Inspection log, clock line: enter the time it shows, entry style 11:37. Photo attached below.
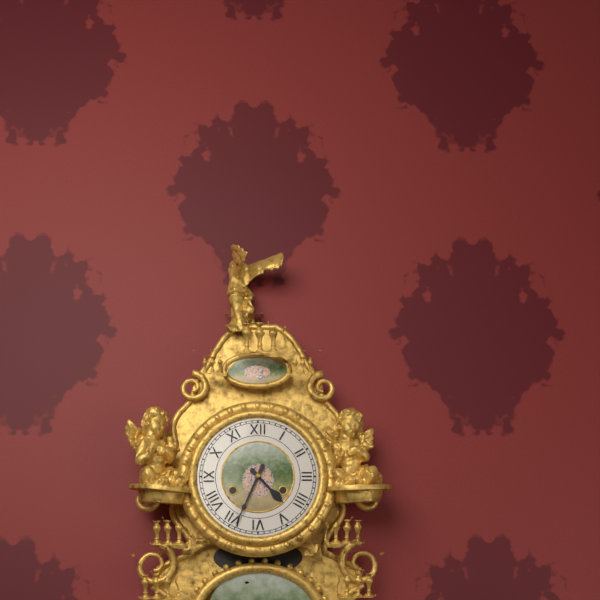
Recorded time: 4:34
